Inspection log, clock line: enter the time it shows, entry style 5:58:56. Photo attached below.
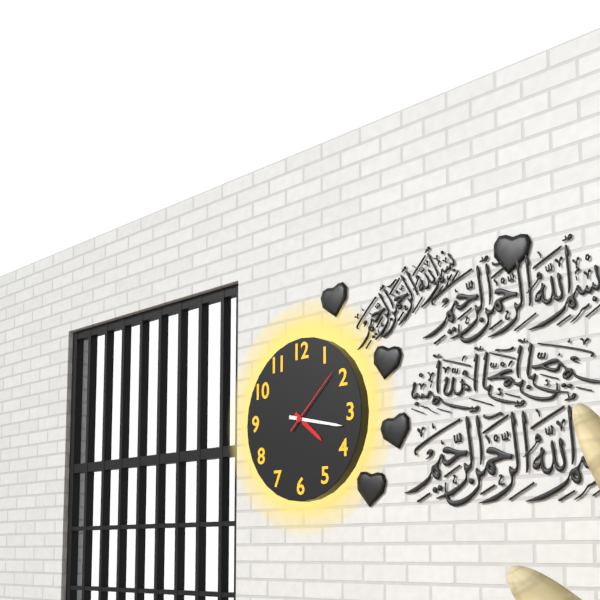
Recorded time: 4:17:08
